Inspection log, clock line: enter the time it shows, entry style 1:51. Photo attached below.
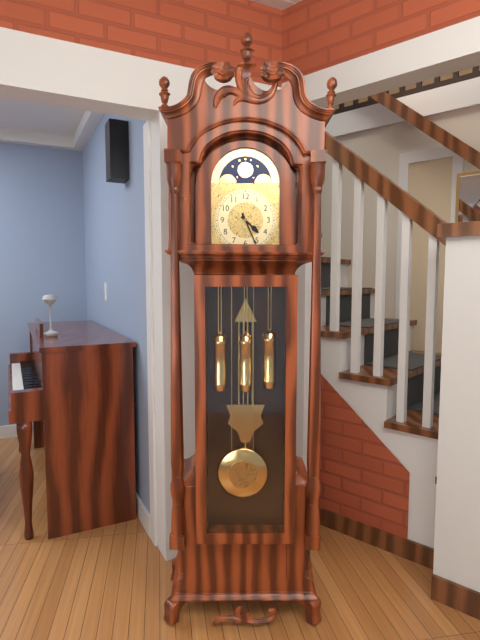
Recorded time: 4:26
